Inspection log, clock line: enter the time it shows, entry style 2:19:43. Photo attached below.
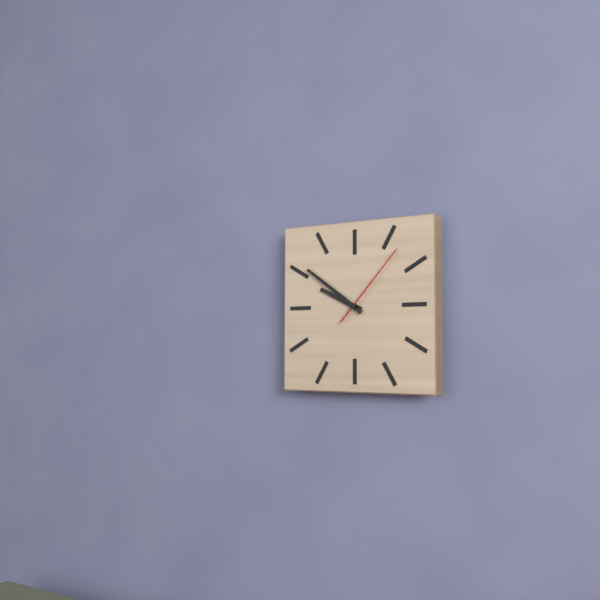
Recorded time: 9:51:07
